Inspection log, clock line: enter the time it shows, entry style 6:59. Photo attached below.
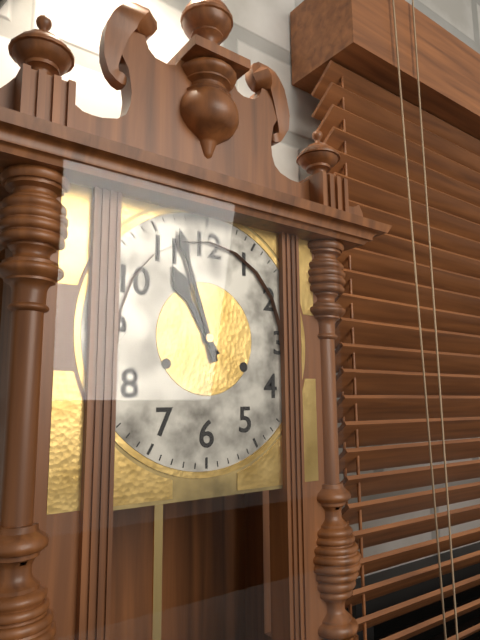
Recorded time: 10:57
